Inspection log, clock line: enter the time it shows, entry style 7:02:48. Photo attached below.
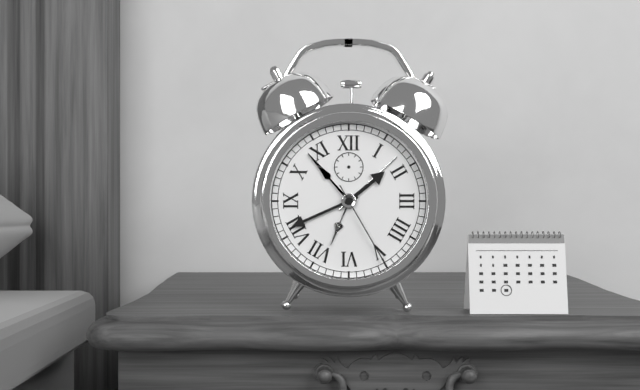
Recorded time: 1:41:25
